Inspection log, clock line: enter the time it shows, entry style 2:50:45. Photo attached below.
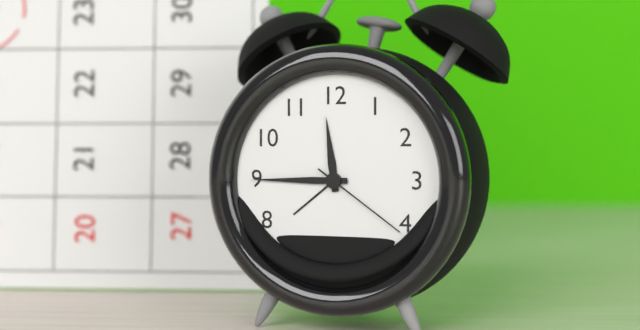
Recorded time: 11:45:21
